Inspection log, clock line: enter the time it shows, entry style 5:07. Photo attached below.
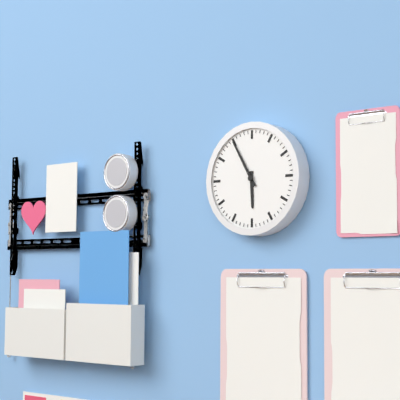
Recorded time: 5:55
